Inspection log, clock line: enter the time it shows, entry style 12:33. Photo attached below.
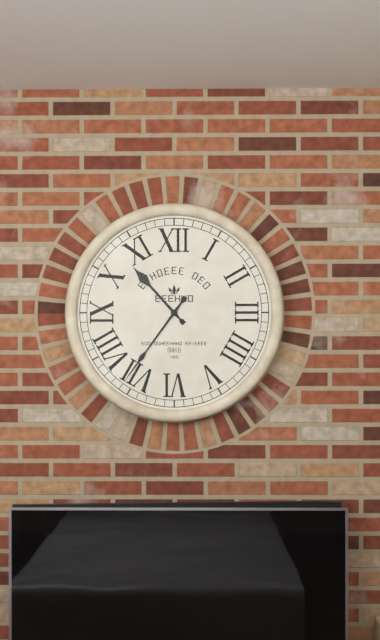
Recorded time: 10:36
